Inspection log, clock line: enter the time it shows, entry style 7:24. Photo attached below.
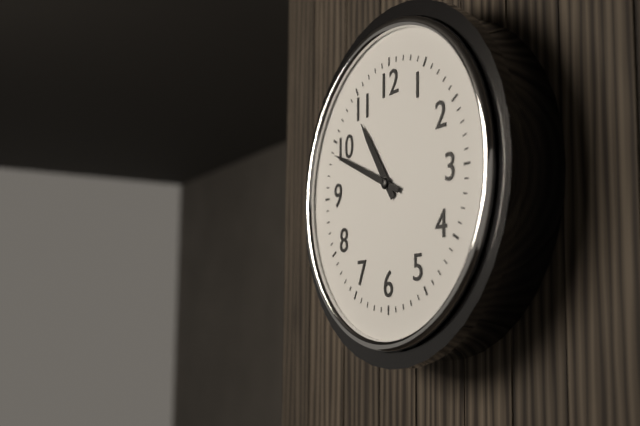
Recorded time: 10:49
